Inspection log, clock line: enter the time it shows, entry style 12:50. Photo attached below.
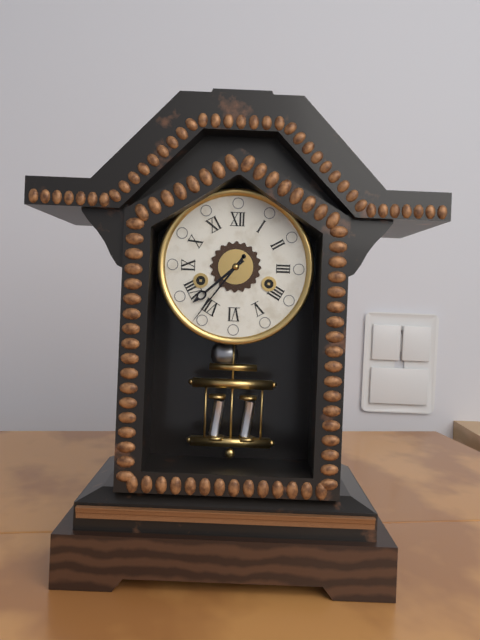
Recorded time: 7:36
